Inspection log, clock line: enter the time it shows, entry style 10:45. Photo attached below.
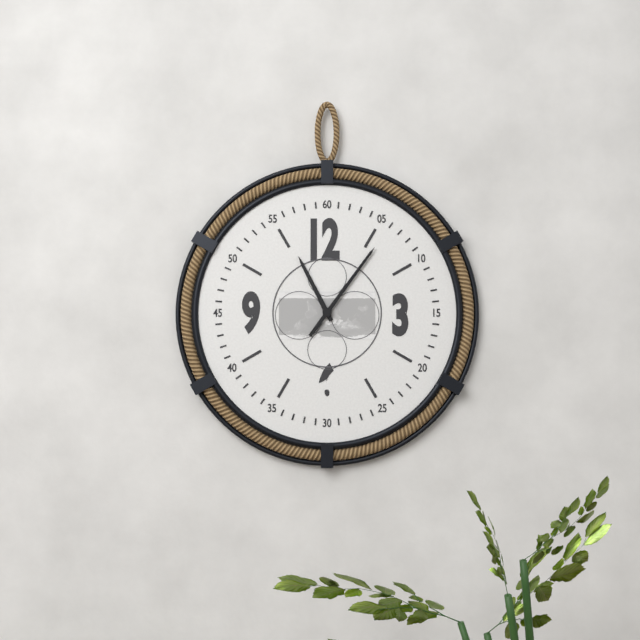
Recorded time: 11:06
